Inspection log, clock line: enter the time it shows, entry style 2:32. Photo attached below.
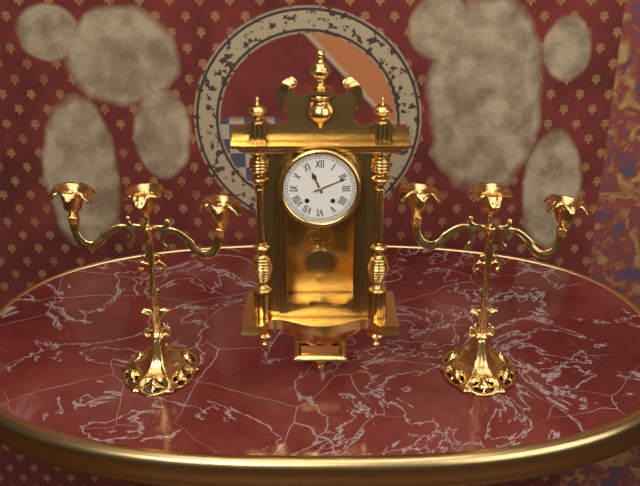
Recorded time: 11:11
